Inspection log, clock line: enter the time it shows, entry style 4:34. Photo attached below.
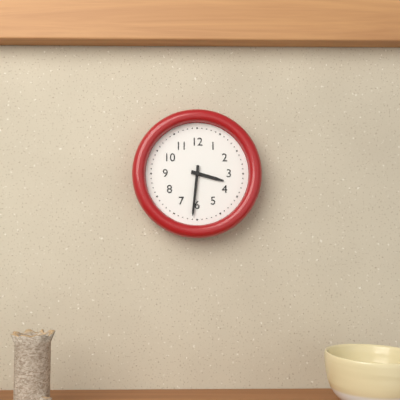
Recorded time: 3:31
